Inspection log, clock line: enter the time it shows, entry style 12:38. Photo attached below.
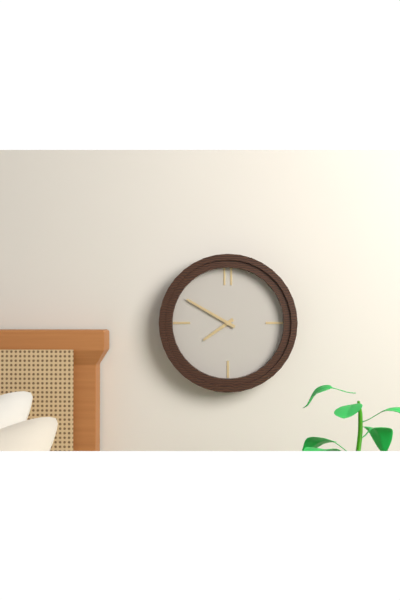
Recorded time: 7:50
